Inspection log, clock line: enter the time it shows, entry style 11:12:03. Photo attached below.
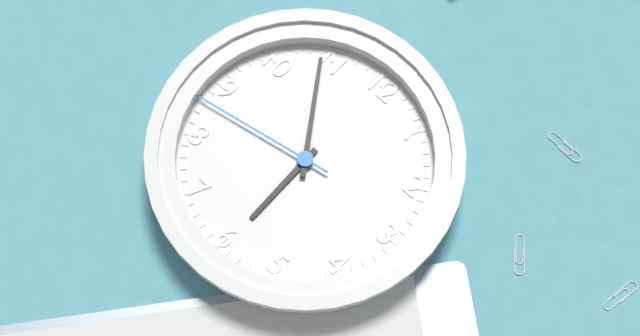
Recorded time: 5:54:43
